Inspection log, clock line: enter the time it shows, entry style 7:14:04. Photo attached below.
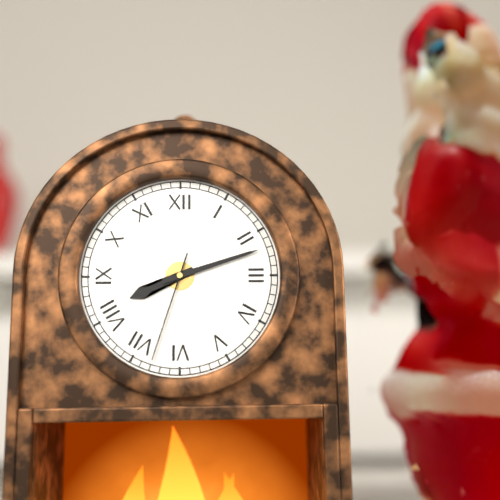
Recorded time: 8:12:33
